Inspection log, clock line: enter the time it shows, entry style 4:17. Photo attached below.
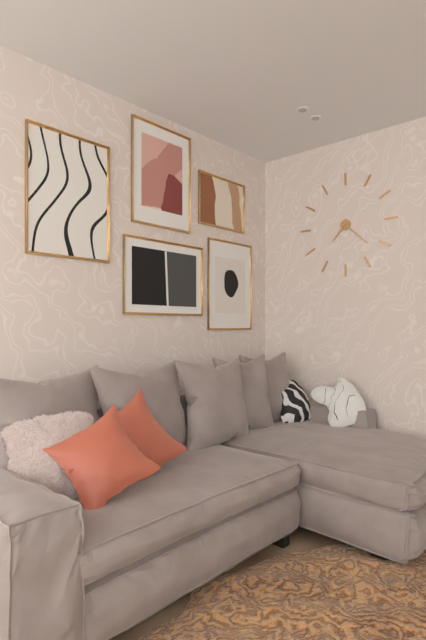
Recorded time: 7:22
